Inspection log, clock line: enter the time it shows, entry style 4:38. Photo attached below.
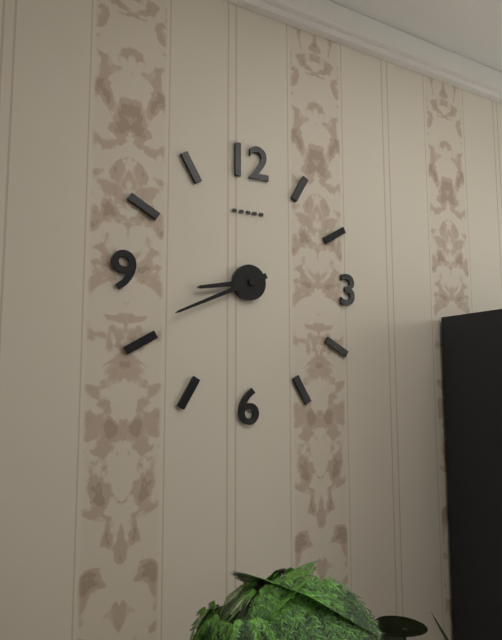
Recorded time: 8:41
